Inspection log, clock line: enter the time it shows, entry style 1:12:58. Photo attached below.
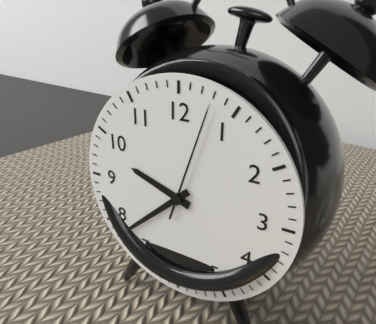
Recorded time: 9:38:03
